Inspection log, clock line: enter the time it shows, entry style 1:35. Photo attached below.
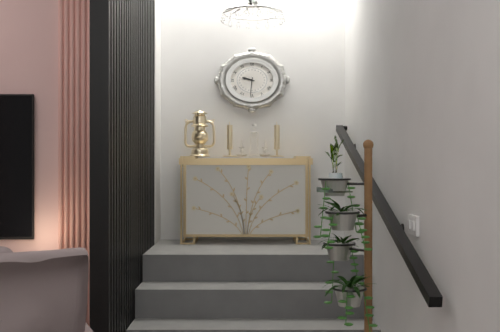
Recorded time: 9:31
